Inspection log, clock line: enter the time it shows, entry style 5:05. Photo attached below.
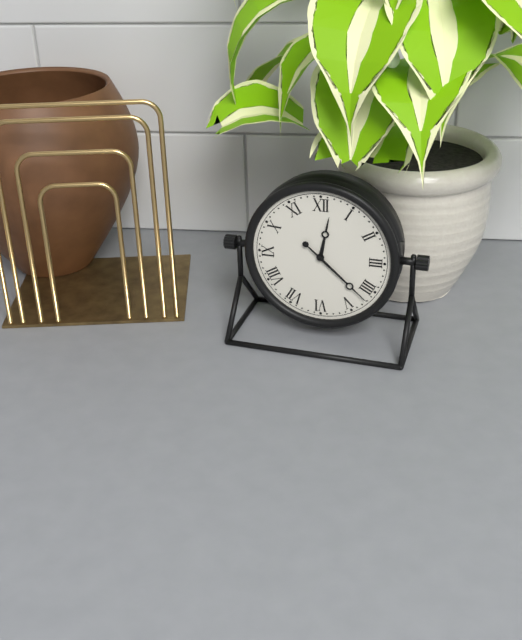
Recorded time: 12:22
